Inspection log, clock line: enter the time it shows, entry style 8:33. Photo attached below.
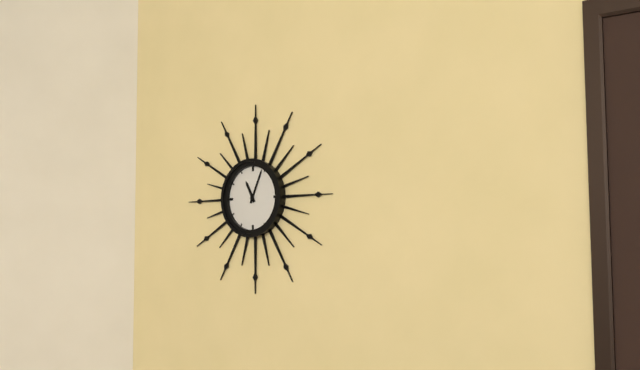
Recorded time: 11:04
